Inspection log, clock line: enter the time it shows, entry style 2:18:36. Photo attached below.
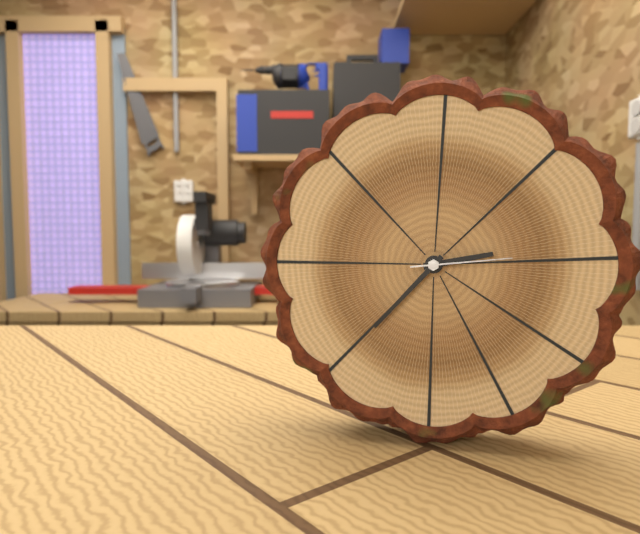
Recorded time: 2:37:14
